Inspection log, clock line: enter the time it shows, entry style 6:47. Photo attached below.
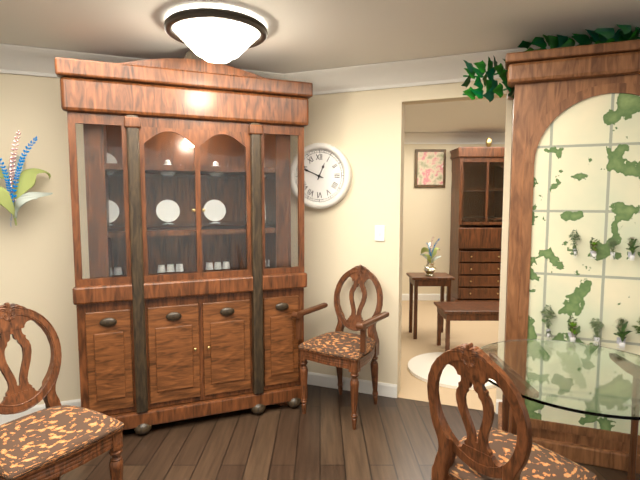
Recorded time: 12:49
